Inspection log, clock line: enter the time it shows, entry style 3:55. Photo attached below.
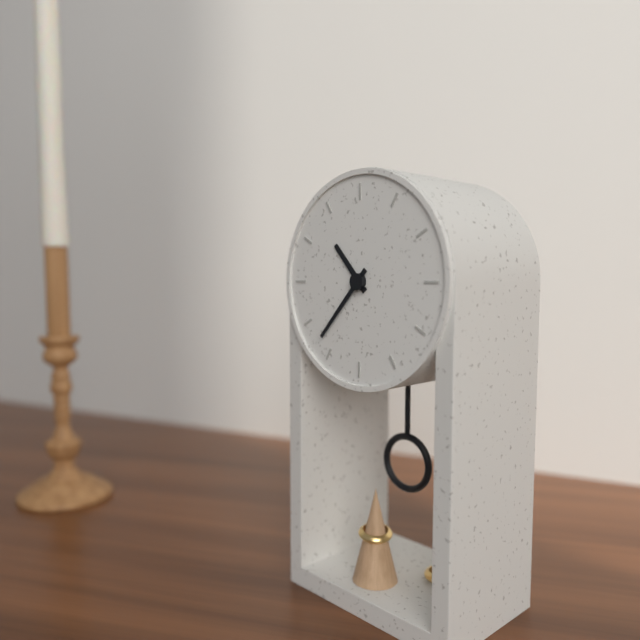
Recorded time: 10:37
